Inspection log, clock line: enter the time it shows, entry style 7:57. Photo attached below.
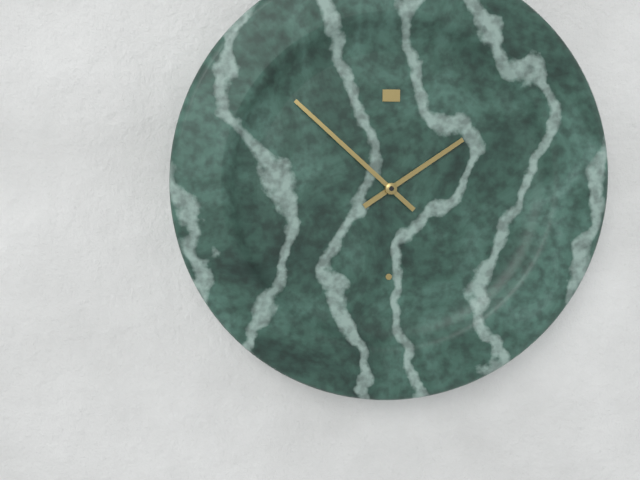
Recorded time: 1:52
